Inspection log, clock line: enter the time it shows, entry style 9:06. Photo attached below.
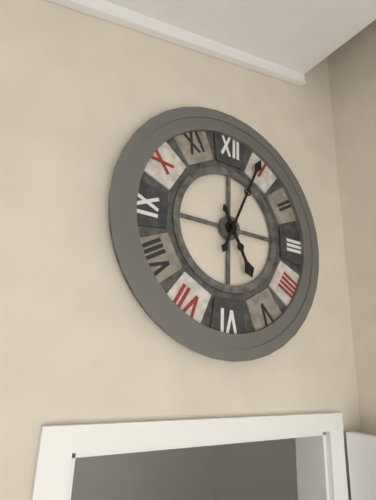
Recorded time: 5:04
